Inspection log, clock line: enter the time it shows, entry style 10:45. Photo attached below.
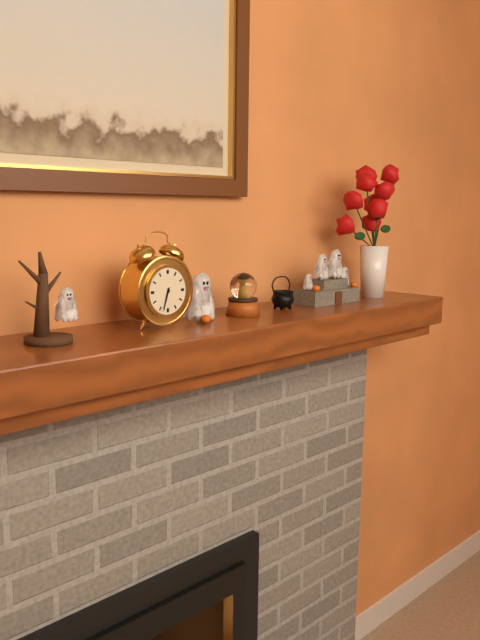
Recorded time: 6:33
